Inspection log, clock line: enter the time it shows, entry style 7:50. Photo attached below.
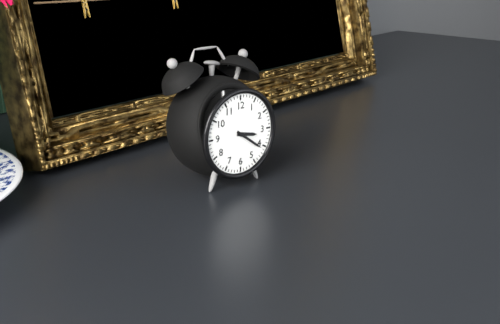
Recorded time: 3:21
